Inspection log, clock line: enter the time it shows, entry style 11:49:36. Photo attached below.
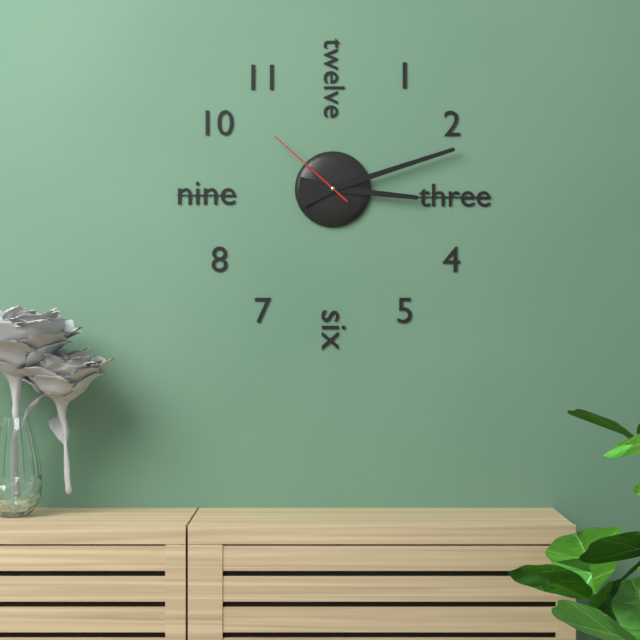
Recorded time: 3:12:52
